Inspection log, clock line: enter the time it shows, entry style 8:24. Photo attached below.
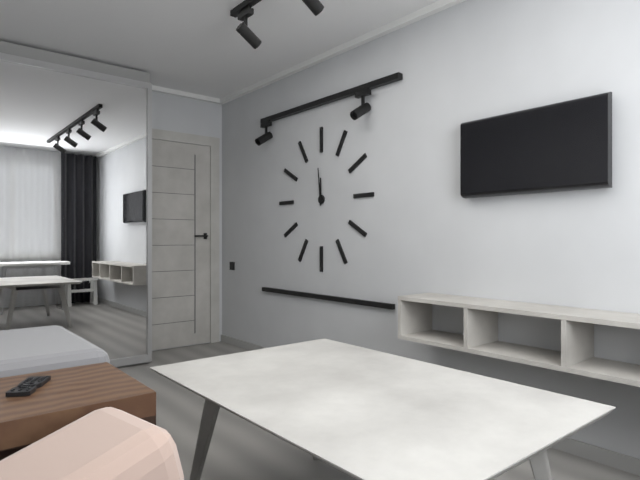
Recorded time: 11:59
